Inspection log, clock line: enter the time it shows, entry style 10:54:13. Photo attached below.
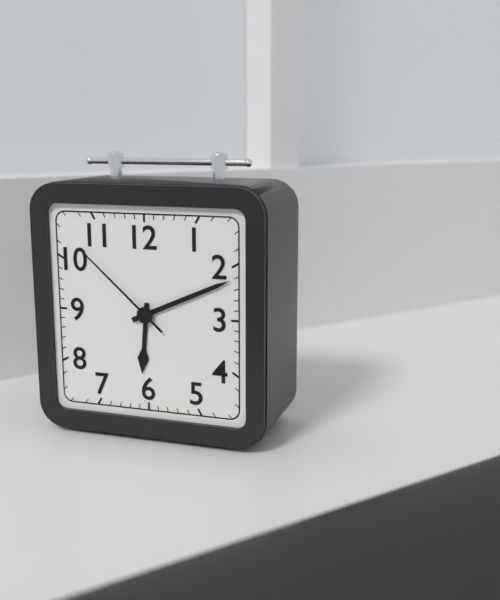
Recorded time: 6:11:52
